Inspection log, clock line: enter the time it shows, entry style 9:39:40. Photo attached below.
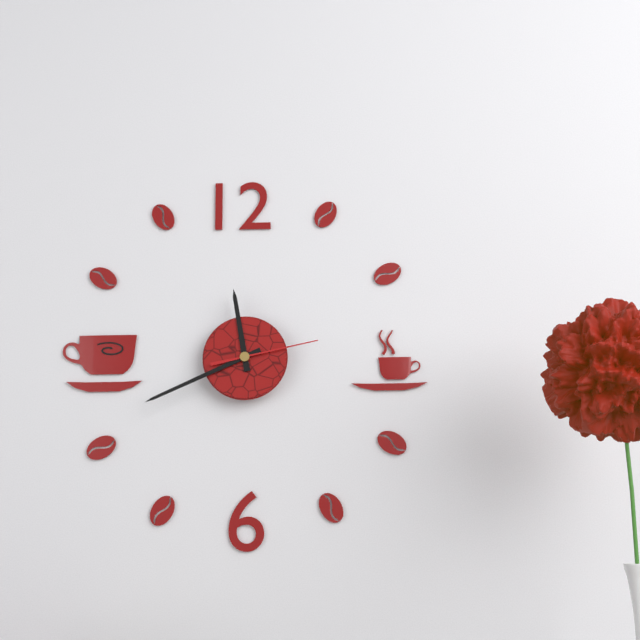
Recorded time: 11:41:13
